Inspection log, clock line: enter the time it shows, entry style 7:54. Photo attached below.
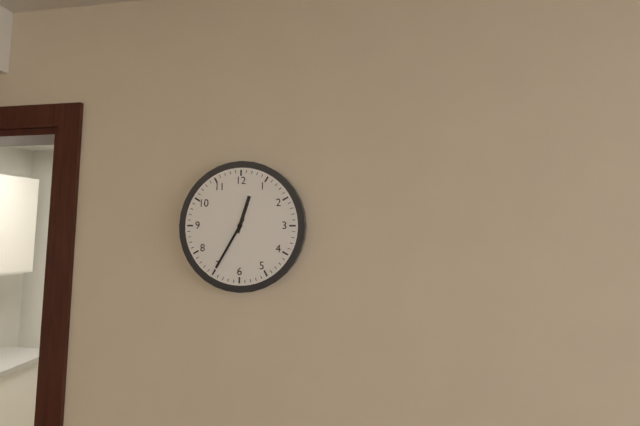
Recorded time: 12:35
